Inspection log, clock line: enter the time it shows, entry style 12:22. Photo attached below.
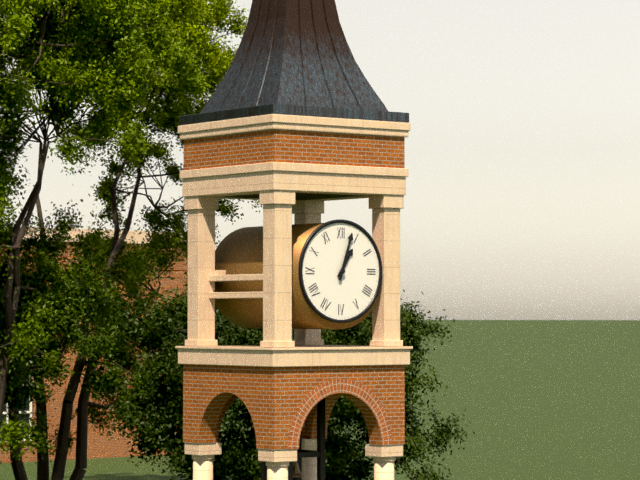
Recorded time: 1:03
